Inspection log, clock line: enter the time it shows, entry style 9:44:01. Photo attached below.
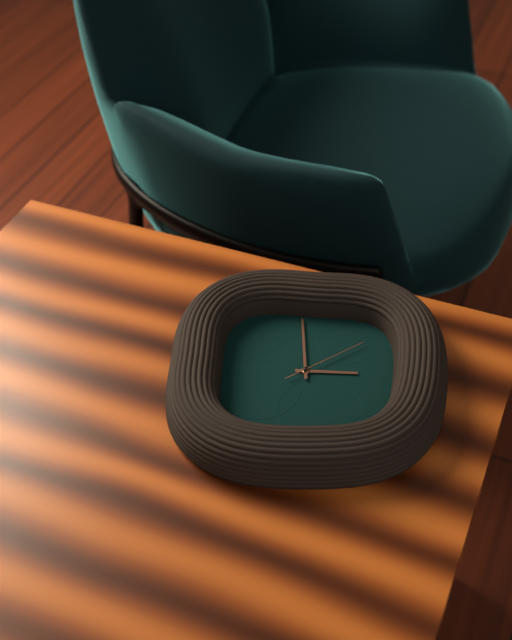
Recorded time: 2:59:09
